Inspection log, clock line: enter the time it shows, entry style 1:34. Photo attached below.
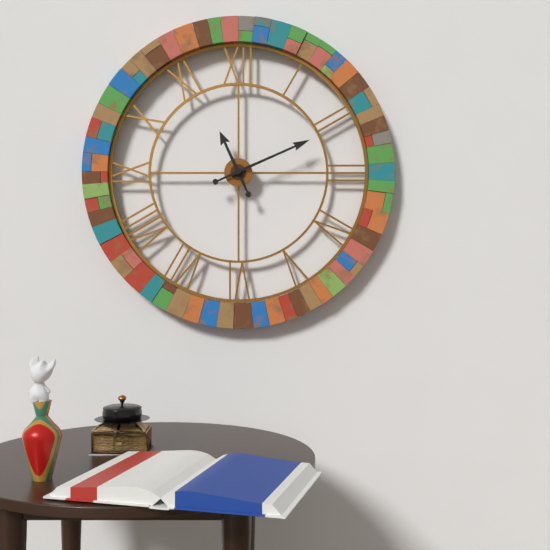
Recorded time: 11:11
